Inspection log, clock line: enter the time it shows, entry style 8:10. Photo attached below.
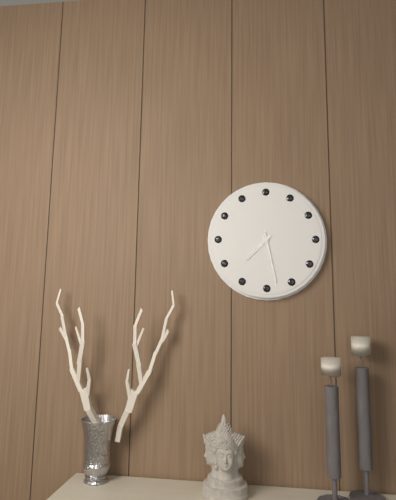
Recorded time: 7:28
